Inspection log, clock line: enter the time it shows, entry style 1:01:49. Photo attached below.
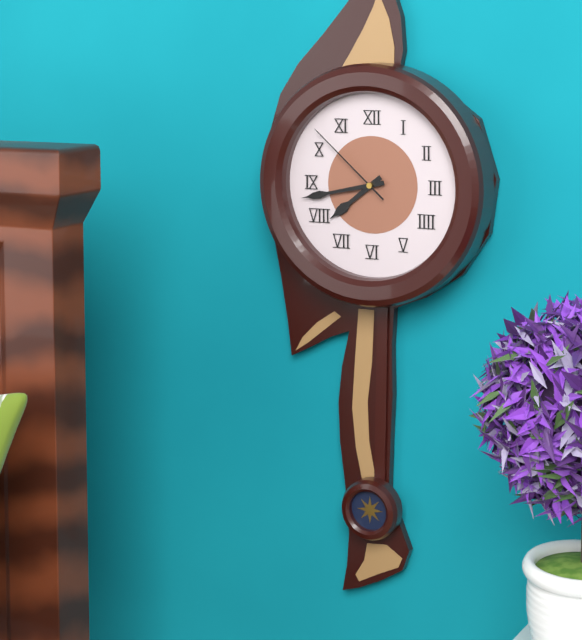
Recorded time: 7:43:52
